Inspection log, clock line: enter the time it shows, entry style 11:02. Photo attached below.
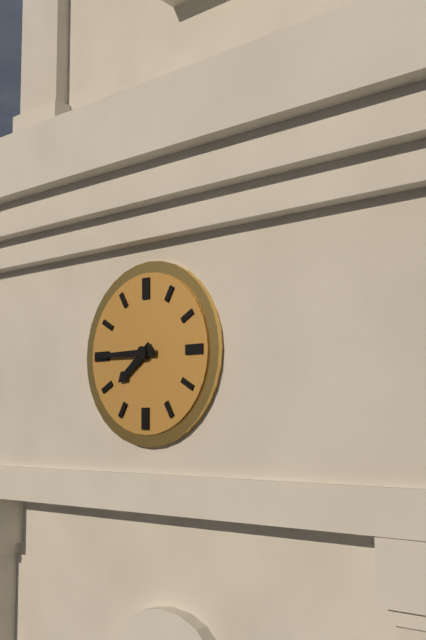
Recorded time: 7:45
